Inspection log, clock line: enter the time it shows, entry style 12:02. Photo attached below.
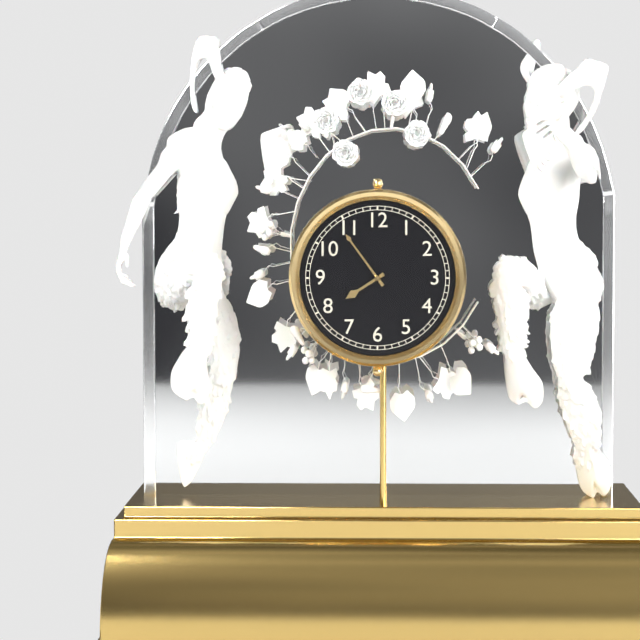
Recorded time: 7:54
